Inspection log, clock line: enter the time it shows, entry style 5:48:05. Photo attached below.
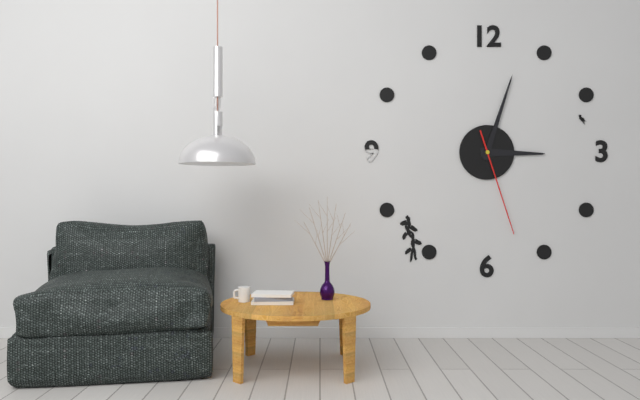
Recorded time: 3:03:27
